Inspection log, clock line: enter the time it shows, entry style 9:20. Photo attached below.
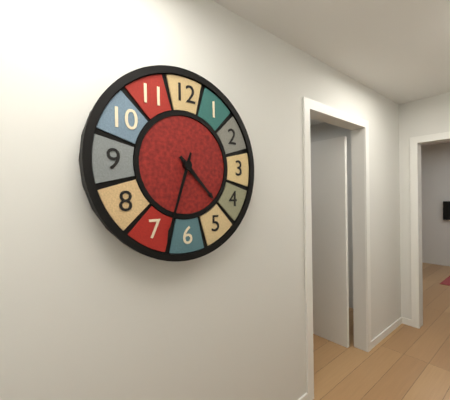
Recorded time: 4:33
